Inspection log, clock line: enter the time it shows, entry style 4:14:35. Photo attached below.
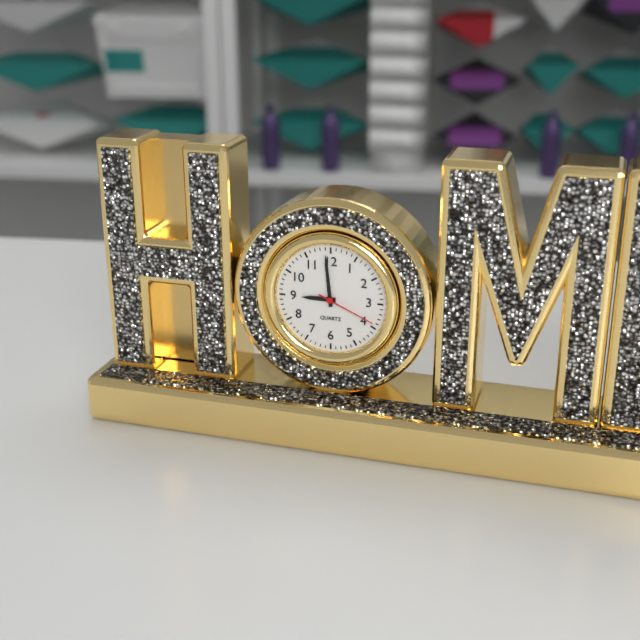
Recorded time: 8:59:19
